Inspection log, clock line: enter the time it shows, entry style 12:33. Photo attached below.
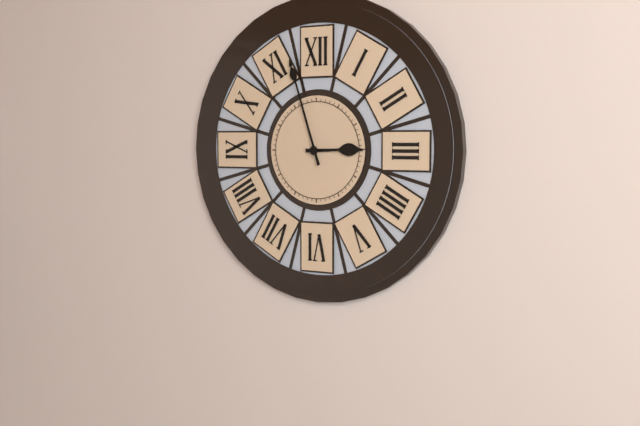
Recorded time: 2:57
